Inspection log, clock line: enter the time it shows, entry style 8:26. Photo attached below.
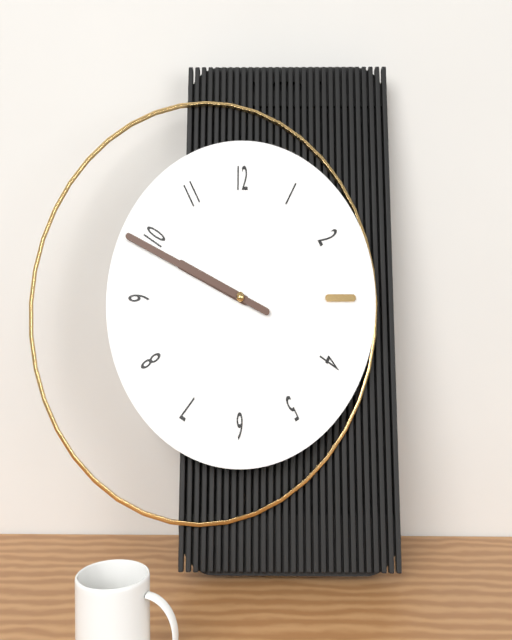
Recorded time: 9:49
